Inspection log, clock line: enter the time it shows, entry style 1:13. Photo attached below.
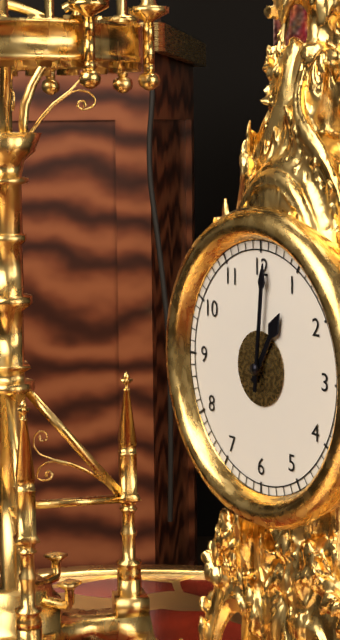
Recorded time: 1:01
